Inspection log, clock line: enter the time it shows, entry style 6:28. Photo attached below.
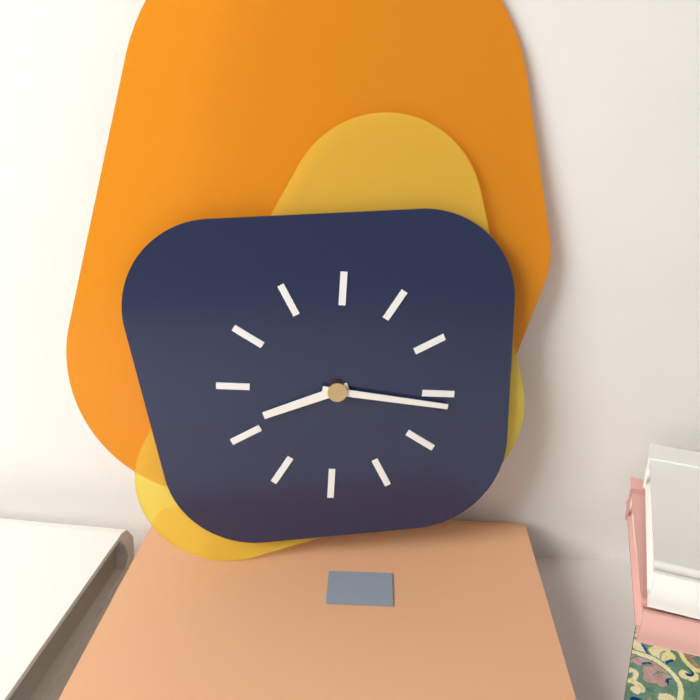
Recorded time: 8:16
